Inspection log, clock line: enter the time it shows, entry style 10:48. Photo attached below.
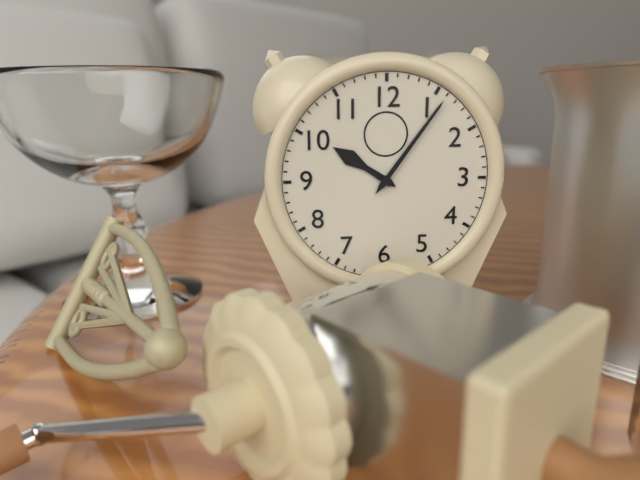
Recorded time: 10:06
